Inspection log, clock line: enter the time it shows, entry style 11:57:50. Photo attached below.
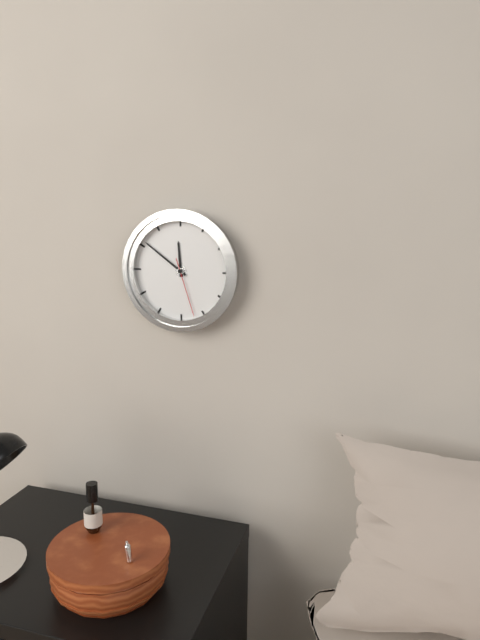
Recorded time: 11:51:27
